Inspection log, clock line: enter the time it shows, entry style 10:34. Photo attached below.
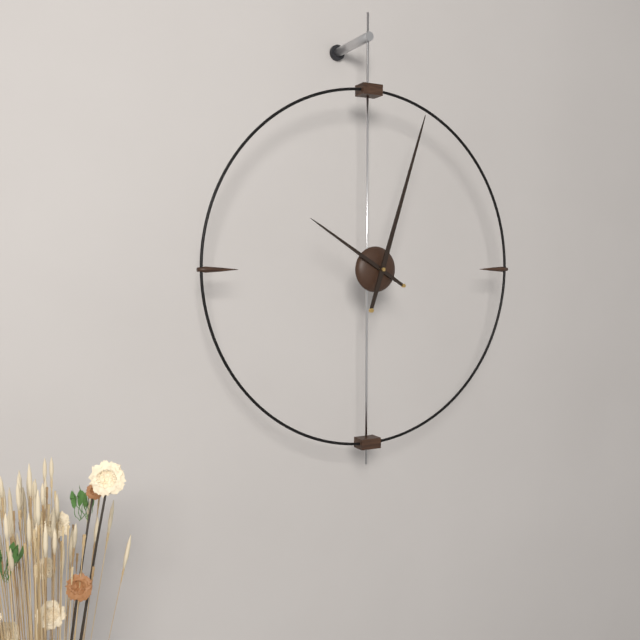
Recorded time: 10:03
